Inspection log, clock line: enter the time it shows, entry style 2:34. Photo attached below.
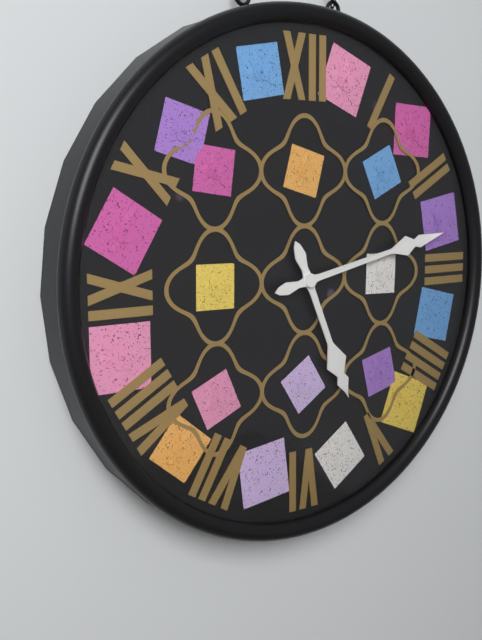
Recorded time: 5:13
